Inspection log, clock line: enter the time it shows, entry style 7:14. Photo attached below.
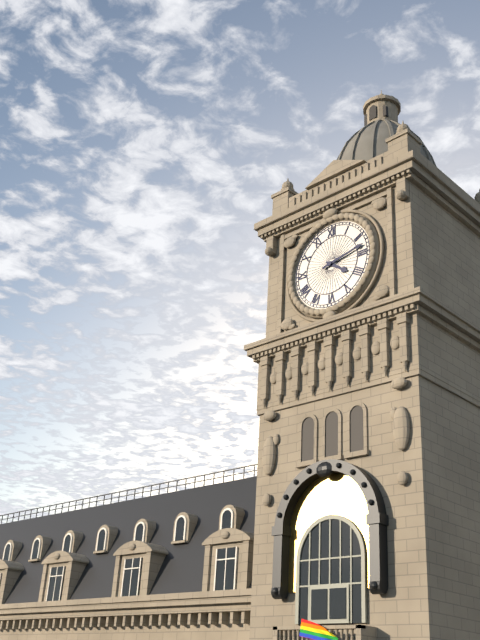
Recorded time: 4:13
